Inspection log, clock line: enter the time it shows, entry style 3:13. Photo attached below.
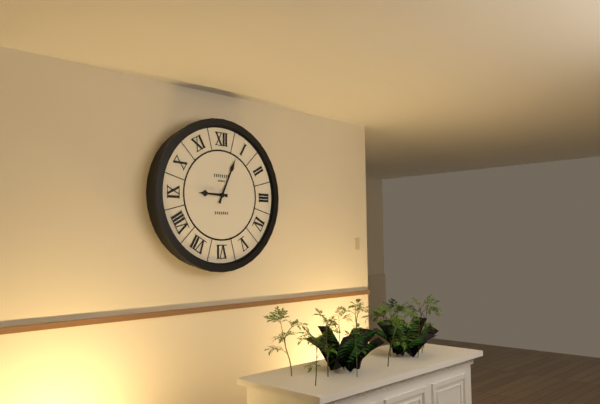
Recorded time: 9:04
